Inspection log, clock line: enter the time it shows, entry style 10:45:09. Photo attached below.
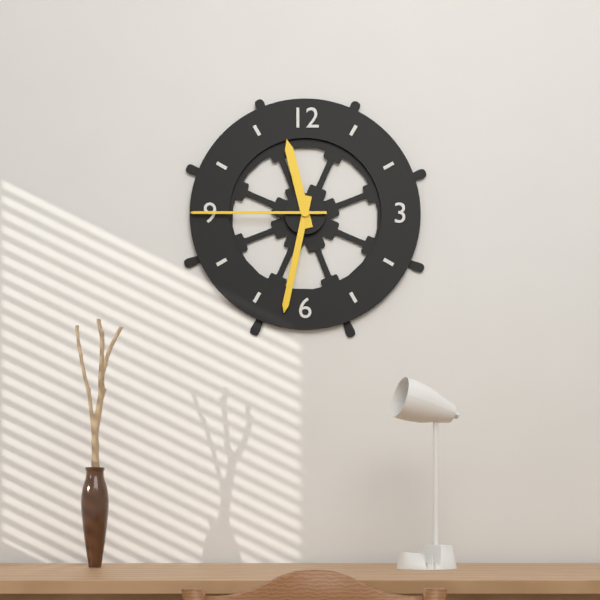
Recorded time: 11:32:45
